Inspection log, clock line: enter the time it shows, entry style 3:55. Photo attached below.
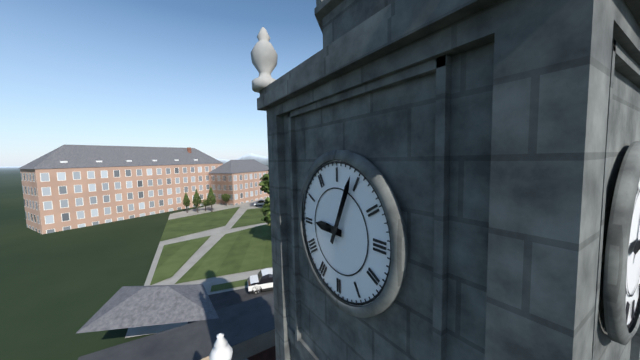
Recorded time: 9:04
